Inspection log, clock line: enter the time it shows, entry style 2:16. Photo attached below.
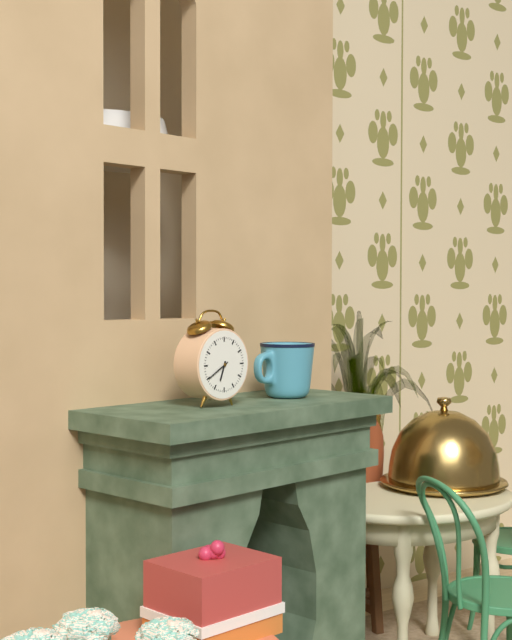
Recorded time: 6:40
